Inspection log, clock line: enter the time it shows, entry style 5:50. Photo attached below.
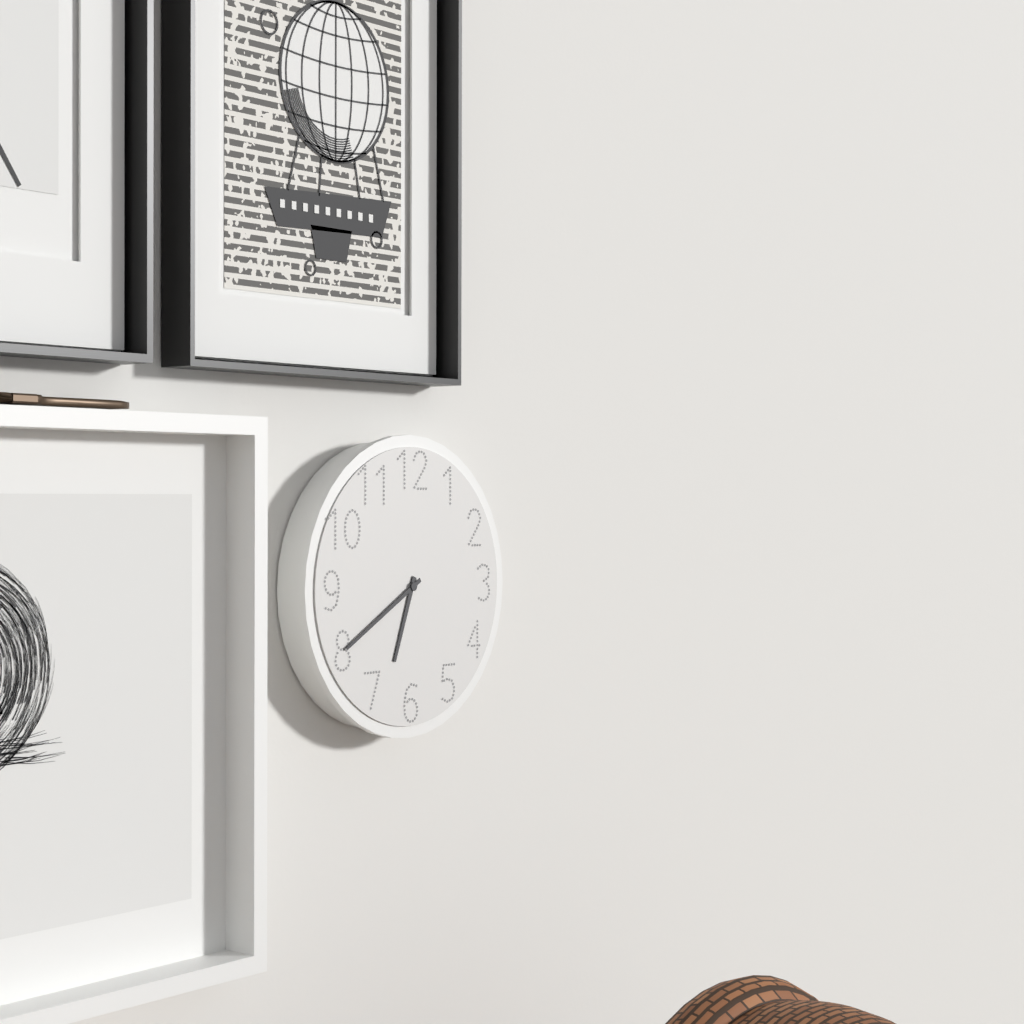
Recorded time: 6:40
